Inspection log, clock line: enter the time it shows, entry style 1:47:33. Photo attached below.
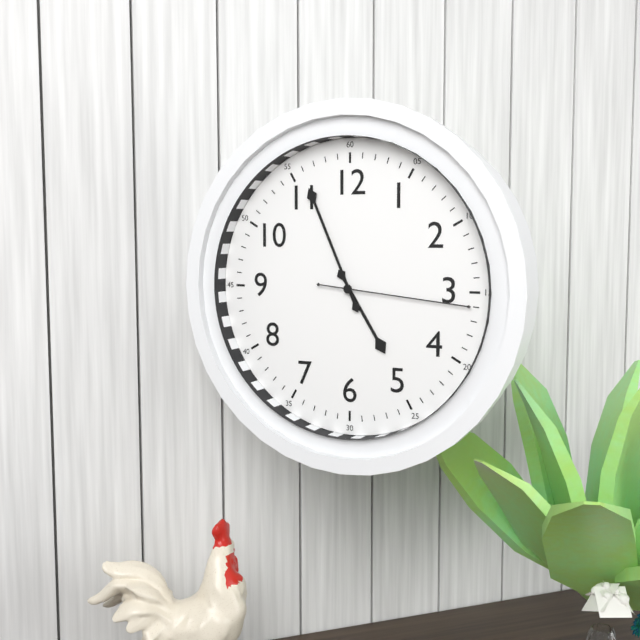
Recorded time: 4:56:16
